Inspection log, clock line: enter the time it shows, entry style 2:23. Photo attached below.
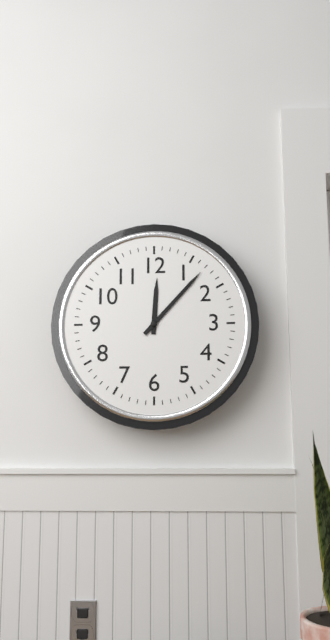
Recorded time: 12:07
